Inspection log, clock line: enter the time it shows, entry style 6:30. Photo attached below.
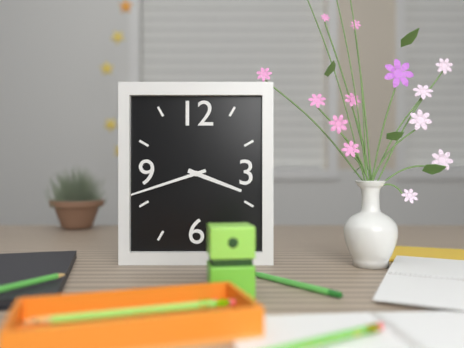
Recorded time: 3:42
